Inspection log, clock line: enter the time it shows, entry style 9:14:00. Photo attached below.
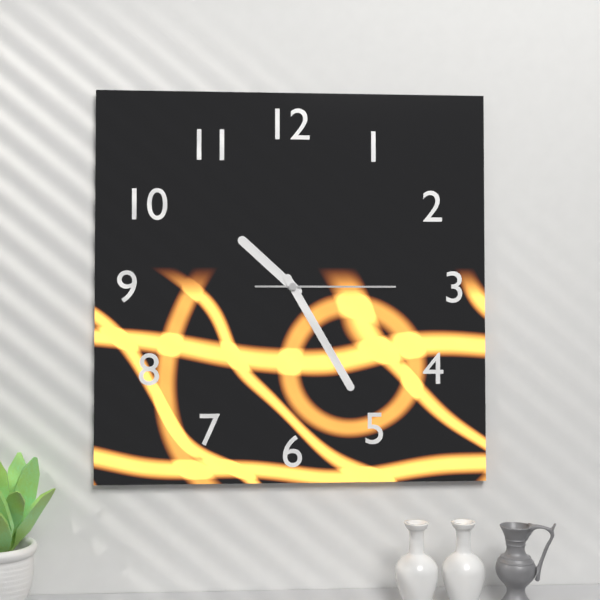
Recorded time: 10:25:15
